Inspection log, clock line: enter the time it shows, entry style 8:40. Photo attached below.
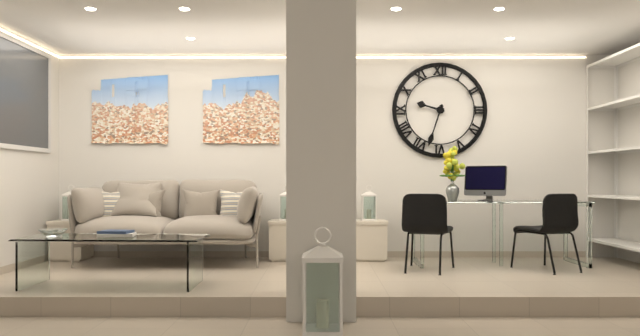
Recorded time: 9:33
